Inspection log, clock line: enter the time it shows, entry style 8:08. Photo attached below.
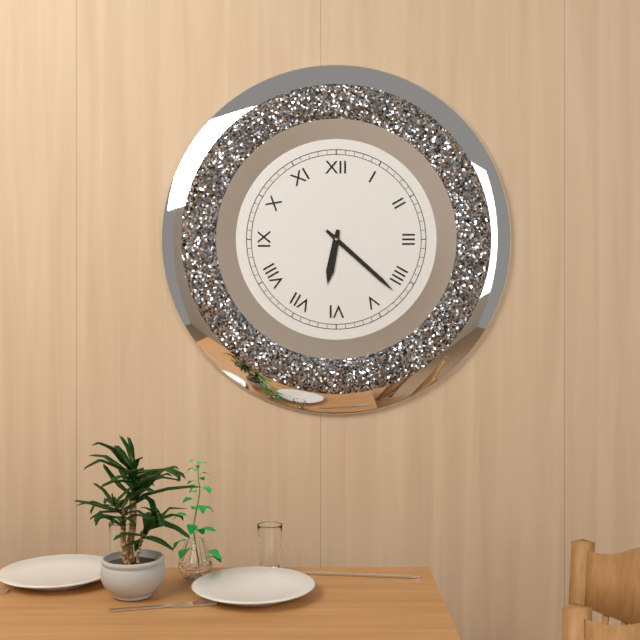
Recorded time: 6:22
